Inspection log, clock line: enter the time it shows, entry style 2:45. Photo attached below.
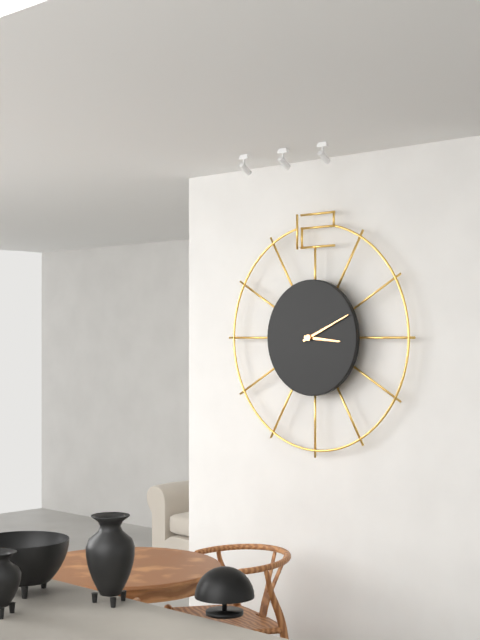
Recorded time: 3:11
